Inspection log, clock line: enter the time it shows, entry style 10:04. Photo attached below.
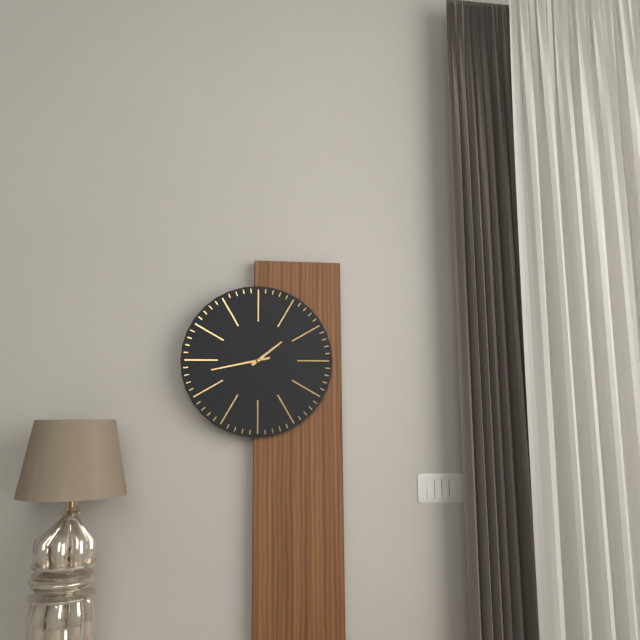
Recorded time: 1:43
